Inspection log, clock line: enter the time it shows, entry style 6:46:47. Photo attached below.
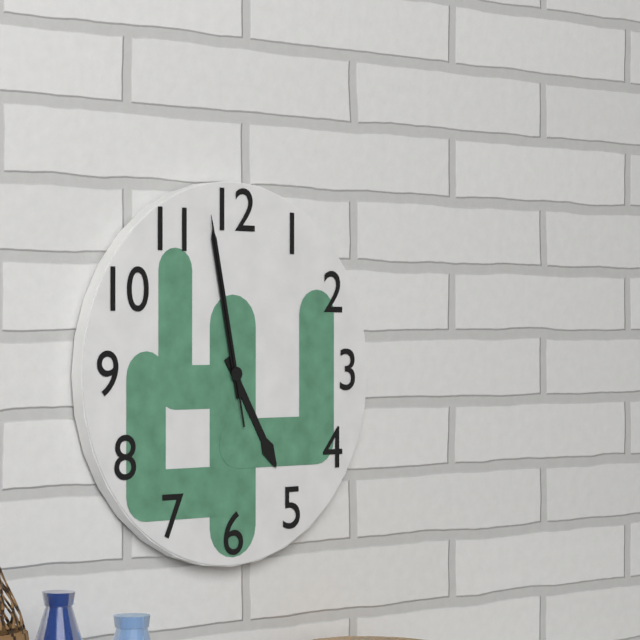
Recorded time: 4:58:58
